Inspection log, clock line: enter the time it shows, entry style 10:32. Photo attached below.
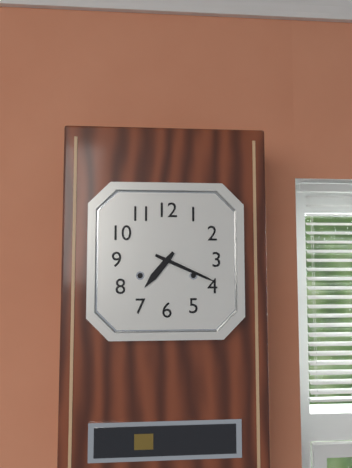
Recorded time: 7:19
